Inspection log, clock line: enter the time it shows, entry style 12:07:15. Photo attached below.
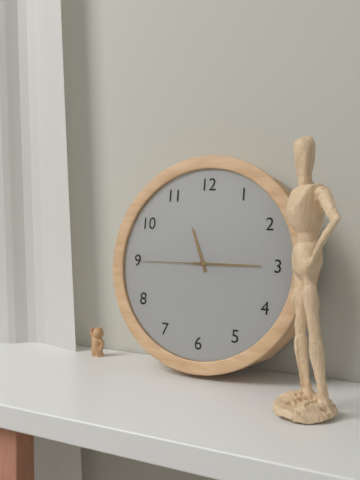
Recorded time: 11:15:45
